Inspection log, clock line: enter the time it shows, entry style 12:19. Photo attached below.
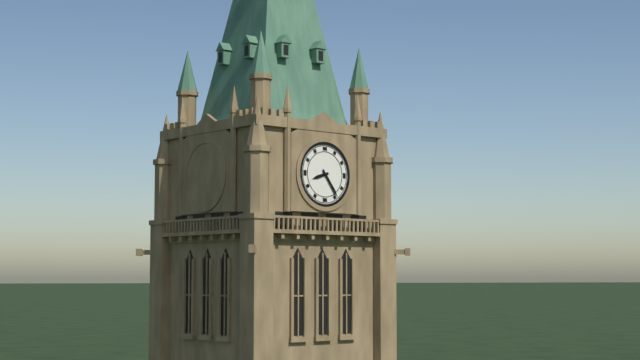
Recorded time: 8:24
